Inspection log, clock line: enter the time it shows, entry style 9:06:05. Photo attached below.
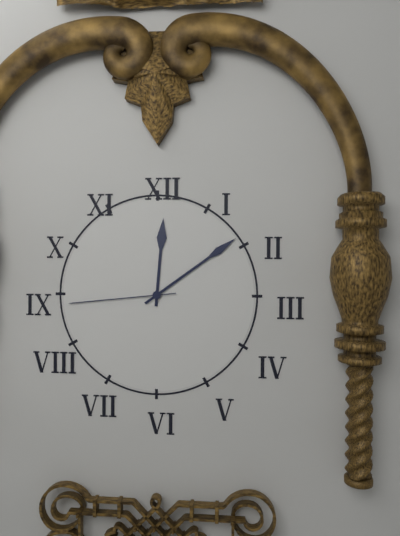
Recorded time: 12:09:44
